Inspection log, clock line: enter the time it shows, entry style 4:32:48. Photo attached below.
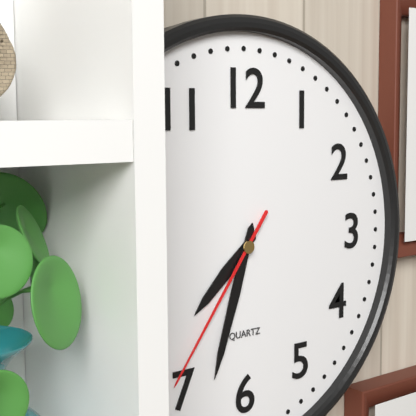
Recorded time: 7:33:36
